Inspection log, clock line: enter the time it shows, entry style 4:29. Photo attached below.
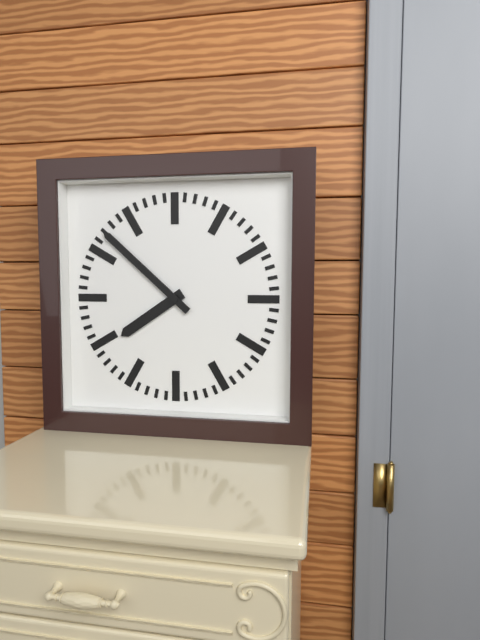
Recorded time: 7:52
